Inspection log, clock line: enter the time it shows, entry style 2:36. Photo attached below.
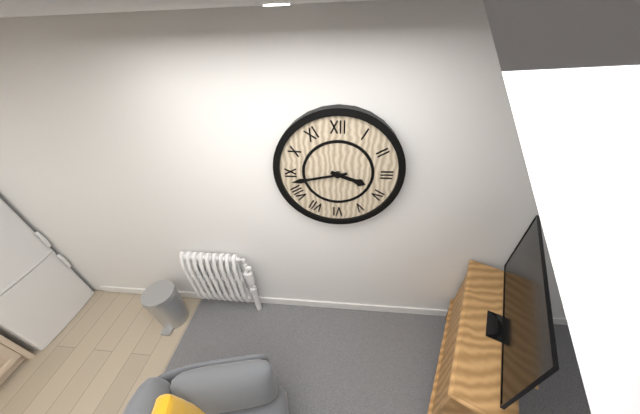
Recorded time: 3:43
